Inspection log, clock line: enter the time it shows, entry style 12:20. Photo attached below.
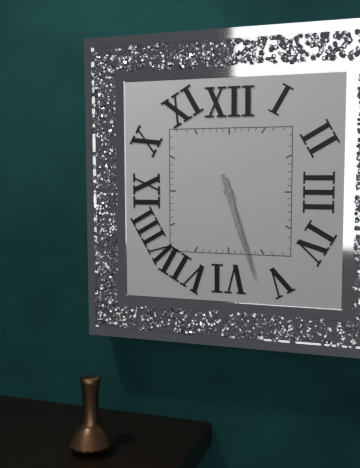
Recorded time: 5:27
